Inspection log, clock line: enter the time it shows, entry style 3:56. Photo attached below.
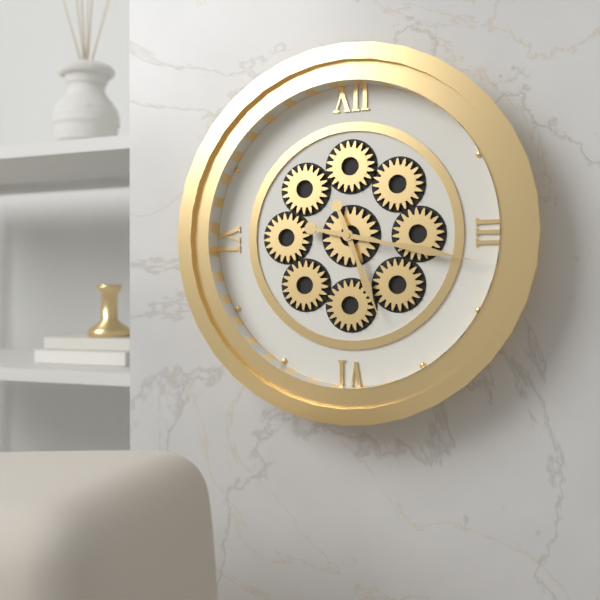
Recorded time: 5:17
